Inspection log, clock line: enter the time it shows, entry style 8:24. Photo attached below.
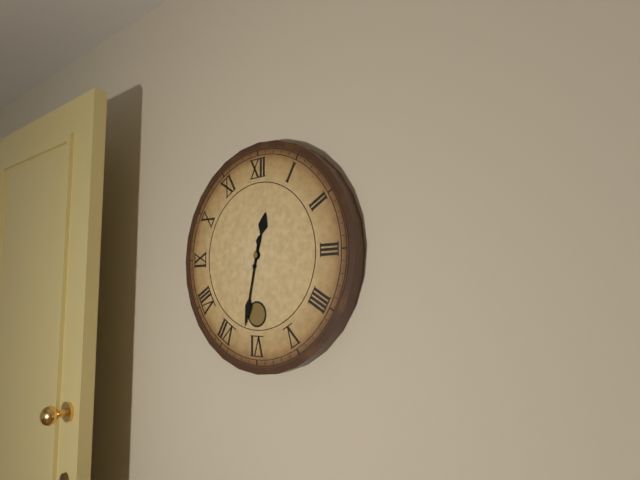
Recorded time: 12:32
